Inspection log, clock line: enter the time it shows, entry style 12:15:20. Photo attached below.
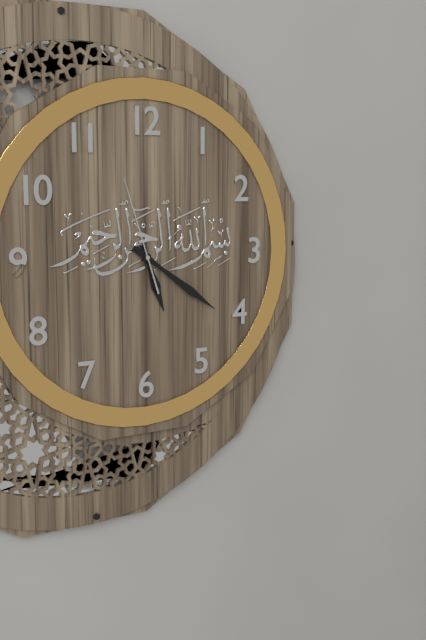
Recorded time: 5:21:57
